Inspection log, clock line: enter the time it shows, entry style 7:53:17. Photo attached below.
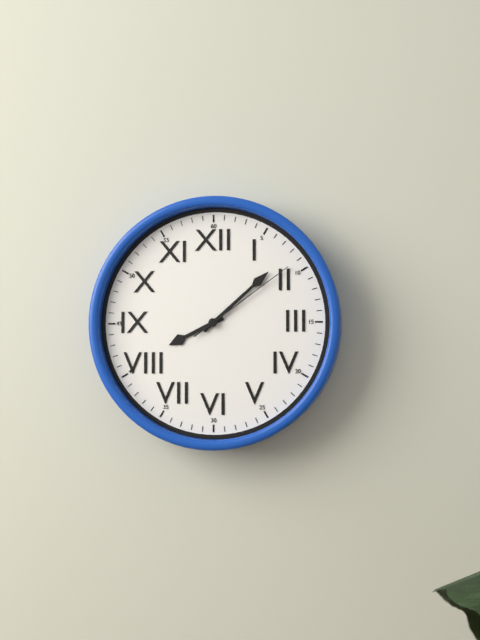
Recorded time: 8:08:09
